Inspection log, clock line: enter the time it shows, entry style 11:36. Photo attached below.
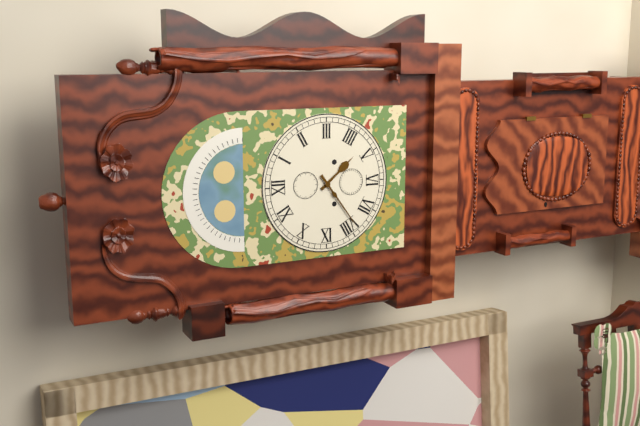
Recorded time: 4:39
